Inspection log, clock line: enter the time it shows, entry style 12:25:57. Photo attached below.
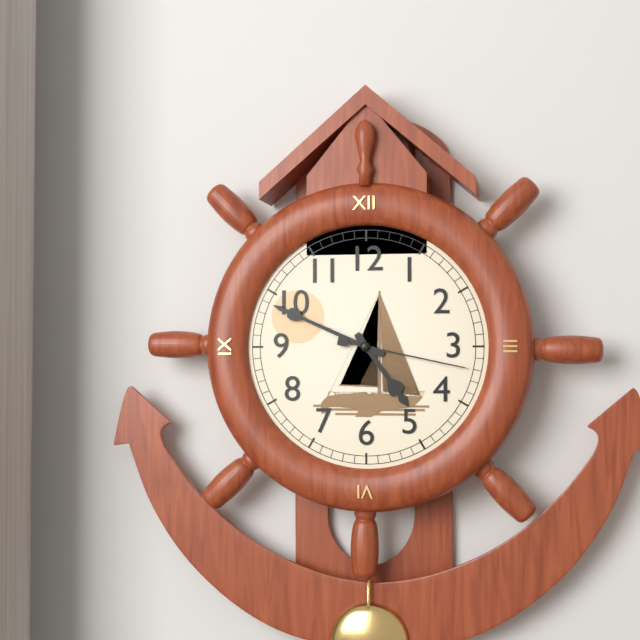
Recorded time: 4:49:17
